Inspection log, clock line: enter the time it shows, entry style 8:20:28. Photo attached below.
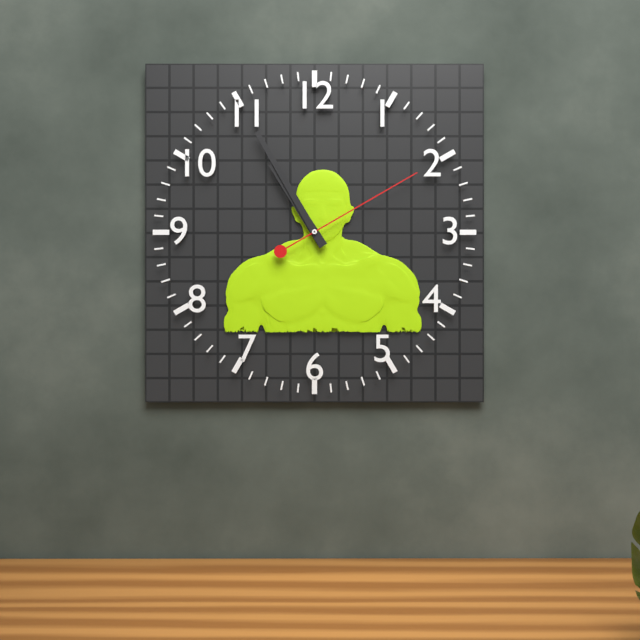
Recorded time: 10:55:10
